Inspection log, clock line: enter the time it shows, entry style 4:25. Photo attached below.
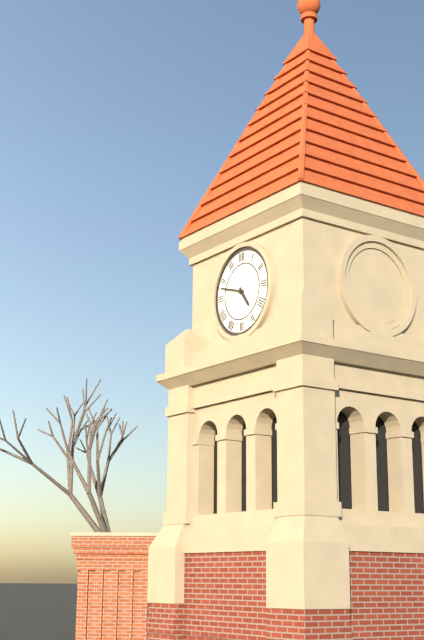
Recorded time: 4:48
